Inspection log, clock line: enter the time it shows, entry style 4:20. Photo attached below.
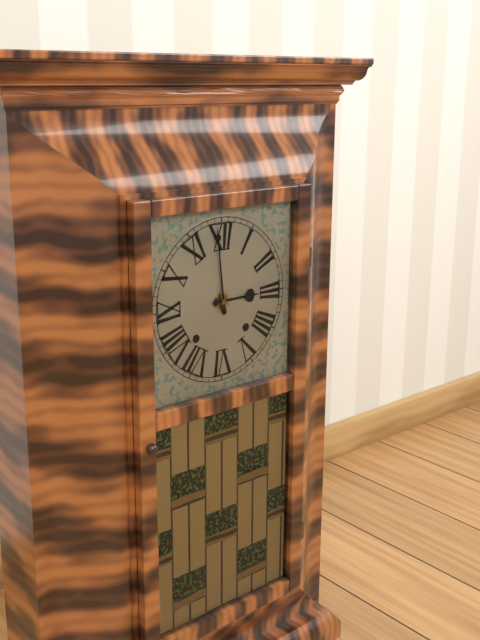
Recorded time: 2:59
